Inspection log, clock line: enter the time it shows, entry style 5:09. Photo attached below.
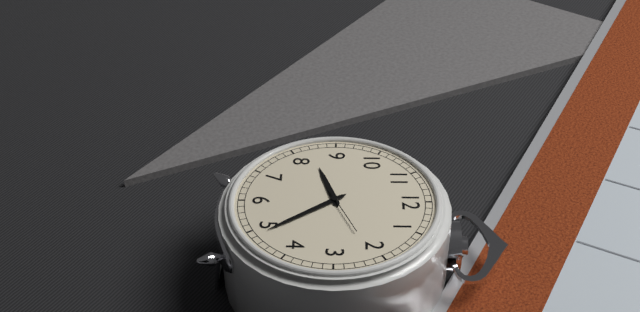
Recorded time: 8:24
